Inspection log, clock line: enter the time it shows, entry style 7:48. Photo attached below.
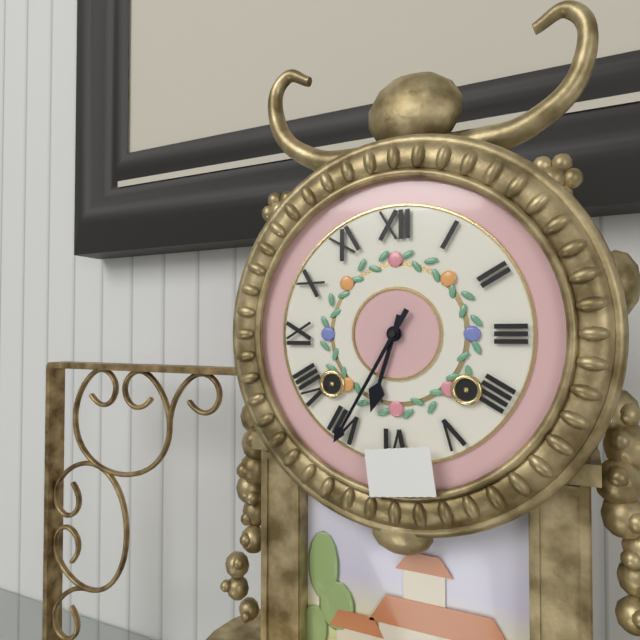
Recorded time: 6:35
